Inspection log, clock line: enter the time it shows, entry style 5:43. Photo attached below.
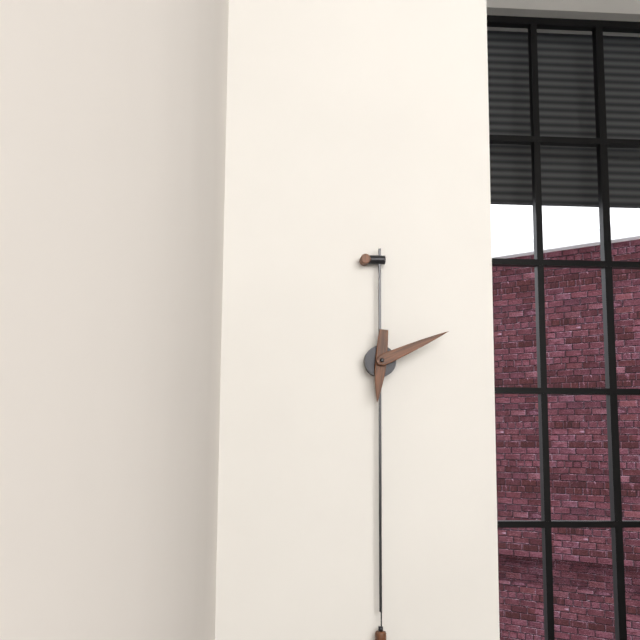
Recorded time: 6:11
